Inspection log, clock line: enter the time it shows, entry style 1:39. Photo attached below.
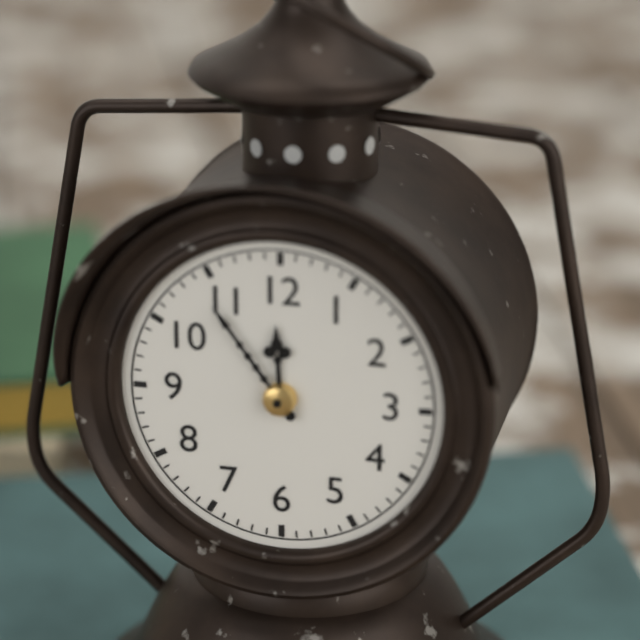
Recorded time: 11:54
